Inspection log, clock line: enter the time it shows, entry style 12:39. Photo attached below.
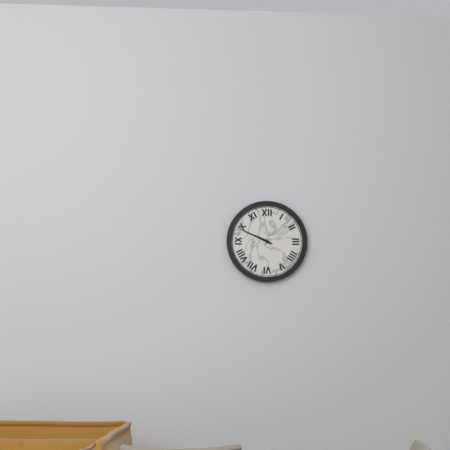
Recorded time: 9:49
